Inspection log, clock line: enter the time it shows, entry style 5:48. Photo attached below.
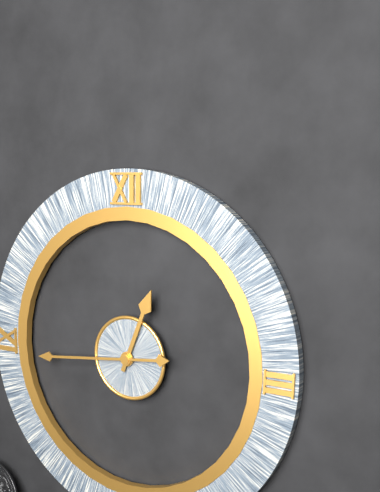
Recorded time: 12:44
